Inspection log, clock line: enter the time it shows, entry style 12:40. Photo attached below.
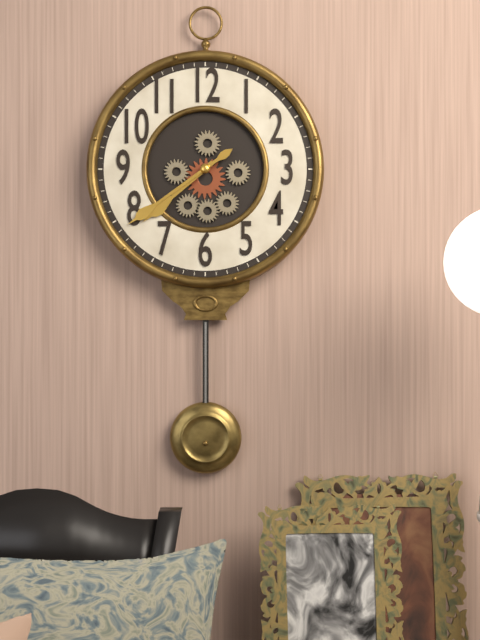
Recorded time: 7:39
